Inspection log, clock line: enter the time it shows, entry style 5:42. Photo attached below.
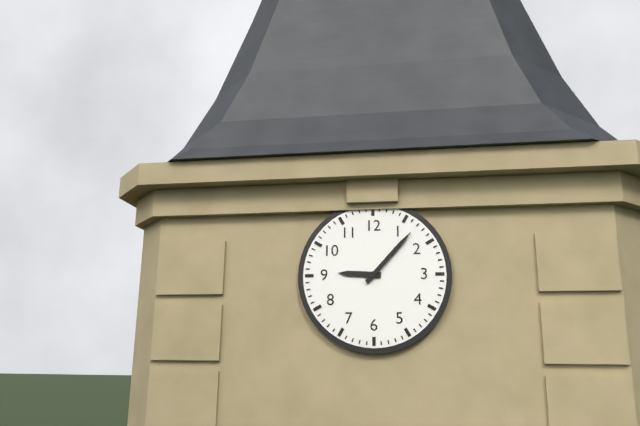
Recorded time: 9:07
